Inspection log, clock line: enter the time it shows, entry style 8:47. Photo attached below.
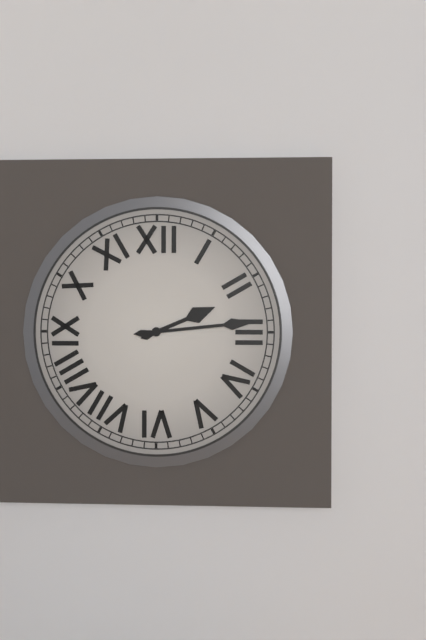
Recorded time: 2:14
